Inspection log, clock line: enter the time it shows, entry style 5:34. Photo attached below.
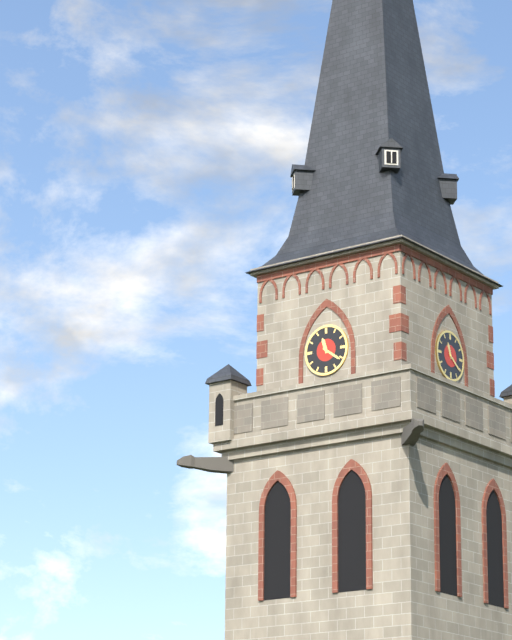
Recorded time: 11:21
